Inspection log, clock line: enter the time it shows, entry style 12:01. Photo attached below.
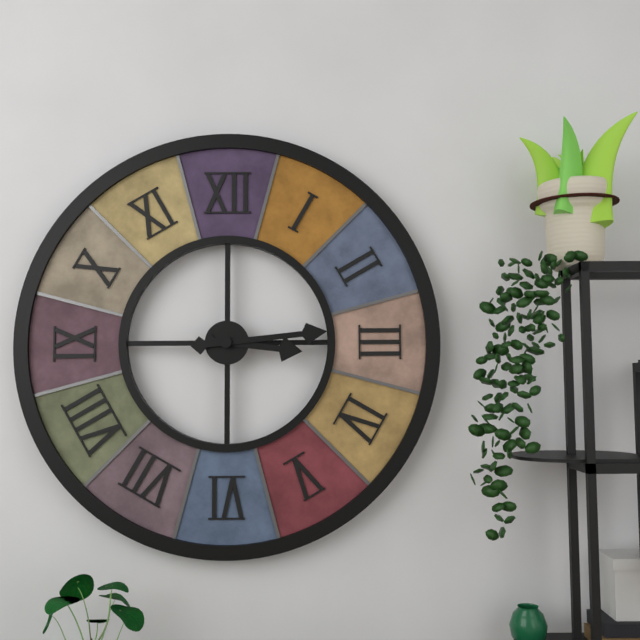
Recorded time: 3:14
